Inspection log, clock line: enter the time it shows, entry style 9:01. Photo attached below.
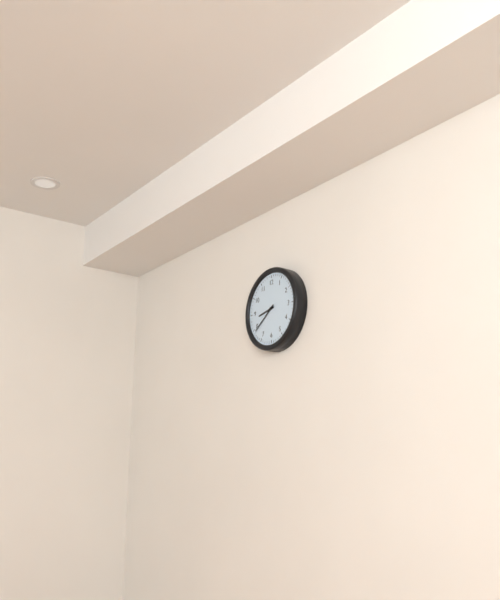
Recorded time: 8:39
